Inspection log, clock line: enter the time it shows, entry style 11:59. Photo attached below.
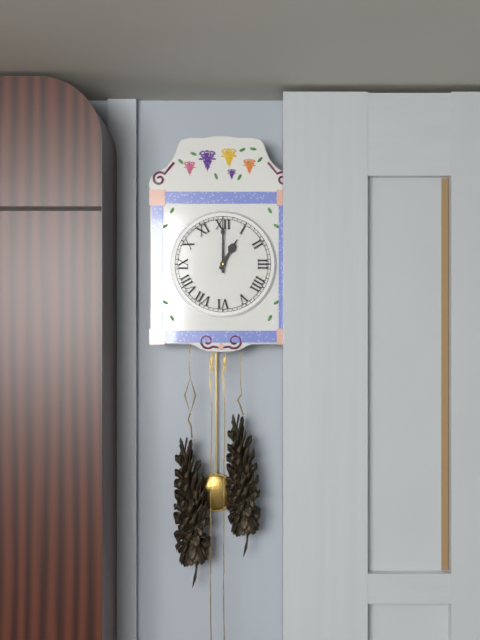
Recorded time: 1:00
